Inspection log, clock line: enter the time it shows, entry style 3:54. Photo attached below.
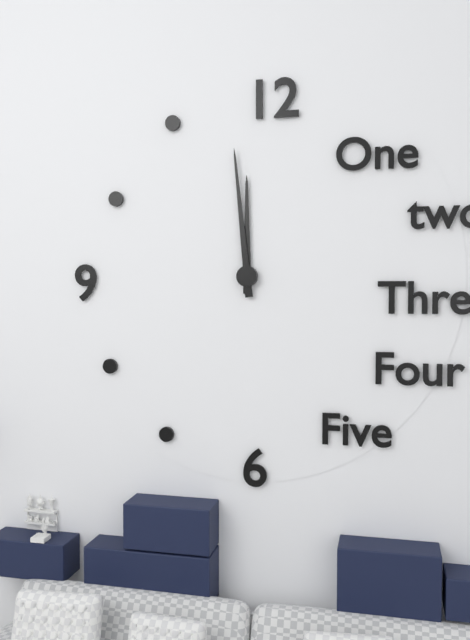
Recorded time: 11:59
